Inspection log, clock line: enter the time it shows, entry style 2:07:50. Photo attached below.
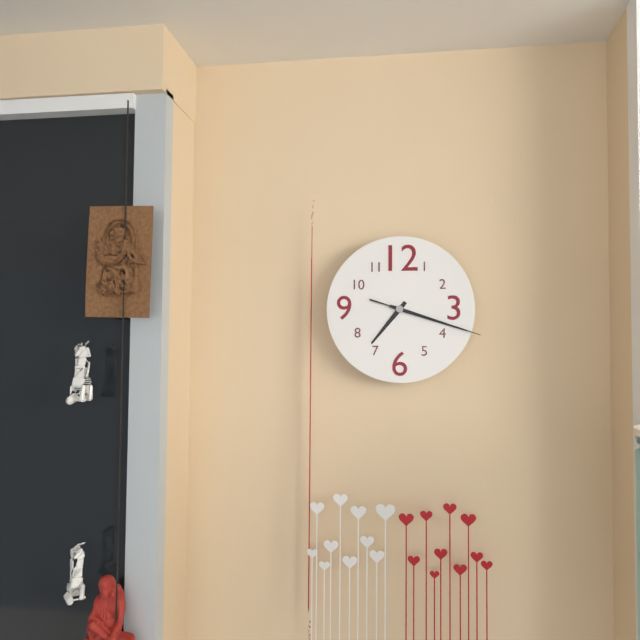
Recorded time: 7:18:18
